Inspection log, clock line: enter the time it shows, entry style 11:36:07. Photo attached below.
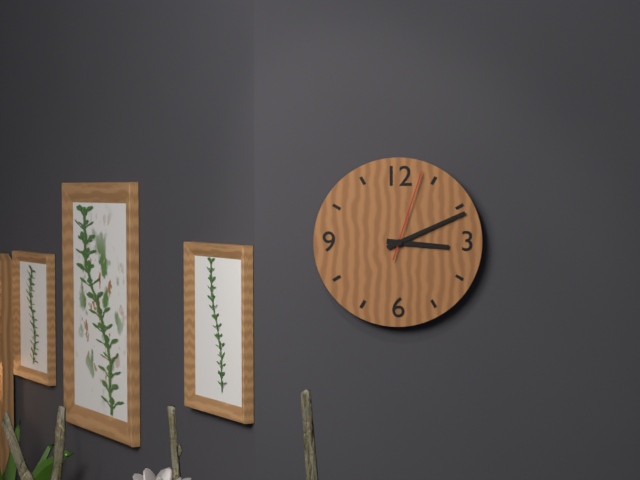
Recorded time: 3:11:03
